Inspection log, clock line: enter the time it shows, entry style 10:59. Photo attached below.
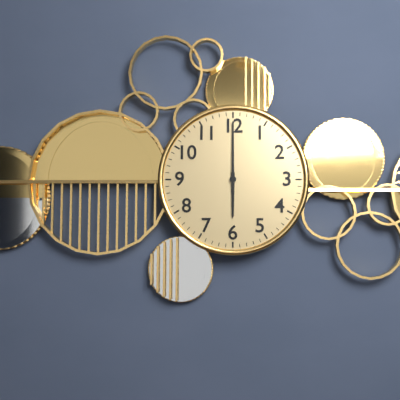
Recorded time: 6:00
